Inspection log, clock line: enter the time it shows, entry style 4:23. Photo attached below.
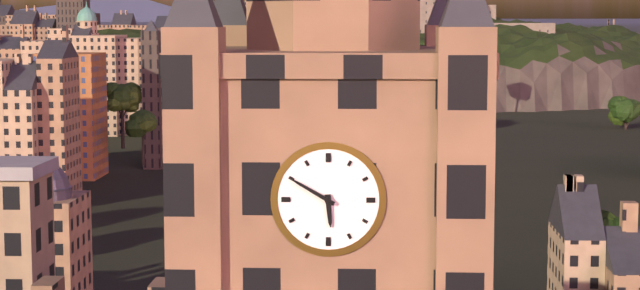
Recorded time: 5:50
